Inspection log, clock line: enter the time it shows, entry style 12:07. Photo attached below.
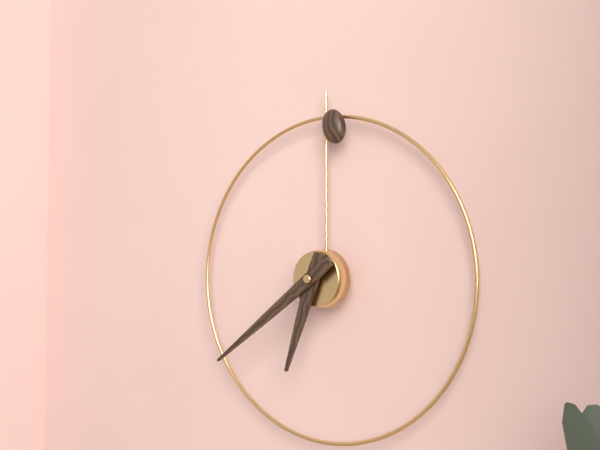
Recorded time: 6:39
